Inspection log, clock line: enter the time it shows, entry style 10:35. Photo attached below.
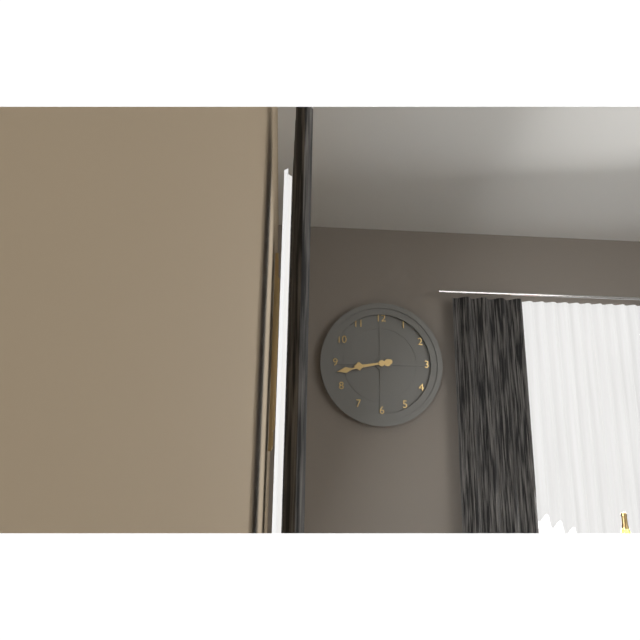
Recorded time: 8:43
